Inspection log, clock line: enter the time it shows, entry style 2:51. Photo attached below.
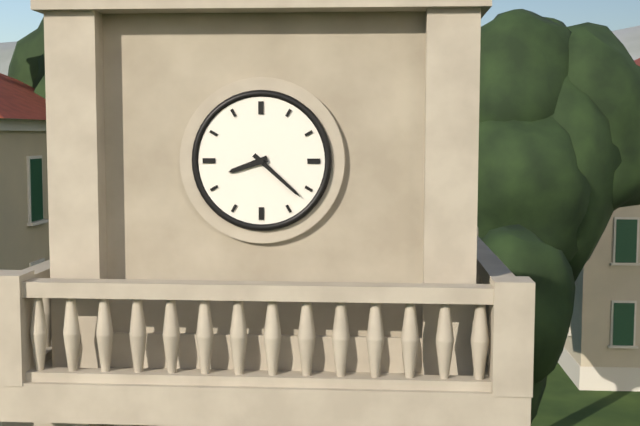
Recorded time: 8:22
